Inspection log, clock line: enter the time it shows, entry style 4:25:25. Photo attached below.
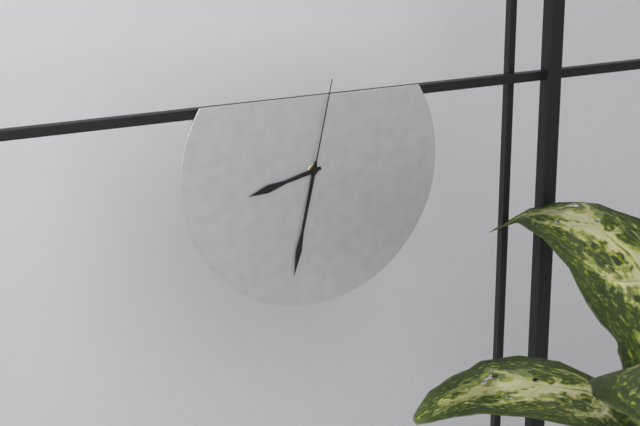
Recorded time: 8:32:02
